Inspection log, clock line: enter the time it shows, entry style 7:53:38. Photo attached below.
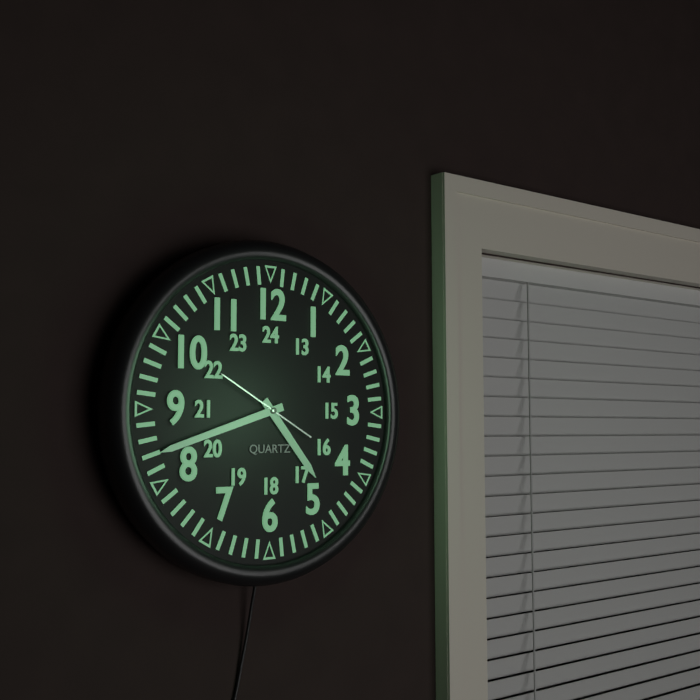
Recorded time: 4:42:50
